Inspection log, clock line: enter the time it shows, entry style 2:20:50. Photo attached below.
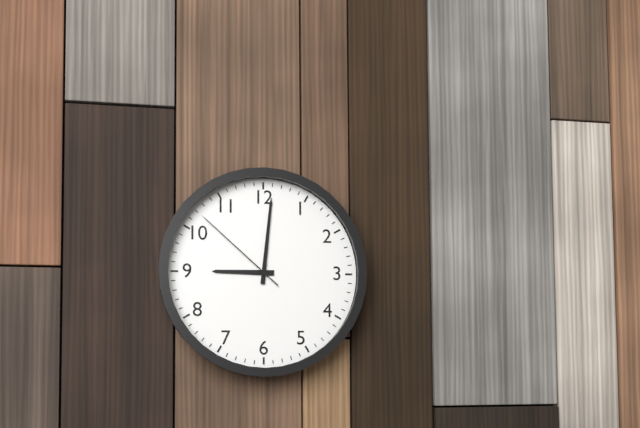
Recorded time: 9:01:52
